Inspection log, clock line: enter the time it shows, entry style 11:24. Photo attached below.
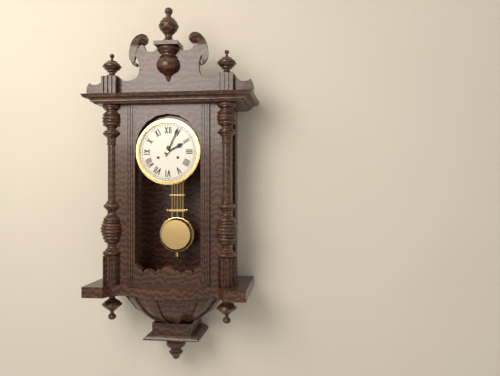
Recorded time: 2:04
